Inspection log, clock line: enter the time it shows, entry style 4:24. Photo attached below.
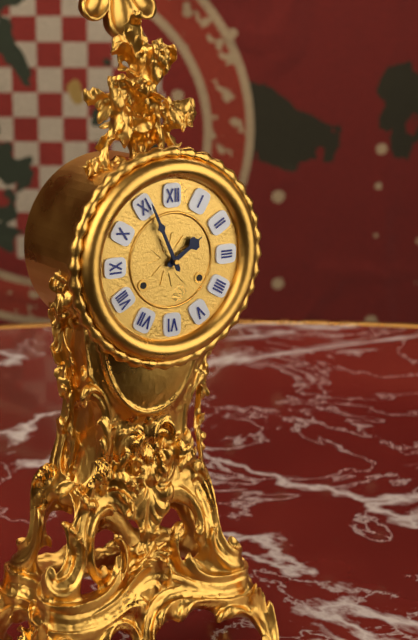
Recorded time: 1:56
